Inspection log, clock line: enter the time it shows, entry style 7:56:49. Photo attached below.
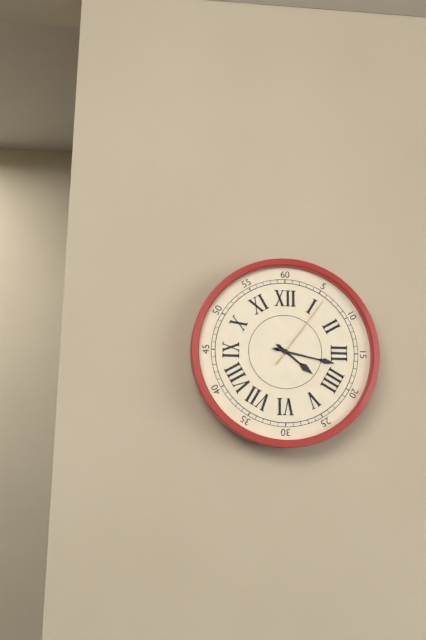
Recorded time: 4:17:06
